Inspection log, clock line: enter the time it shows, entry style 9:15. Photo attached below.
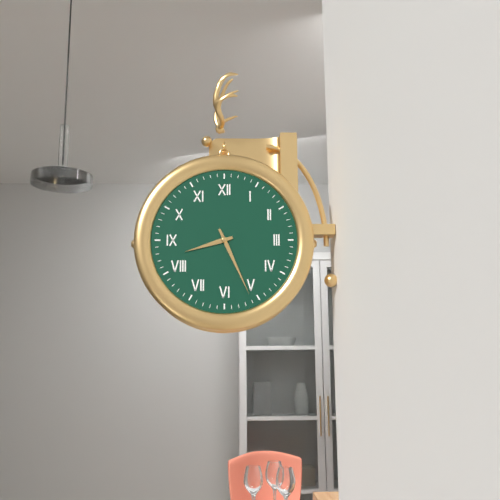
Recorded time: 8:26
